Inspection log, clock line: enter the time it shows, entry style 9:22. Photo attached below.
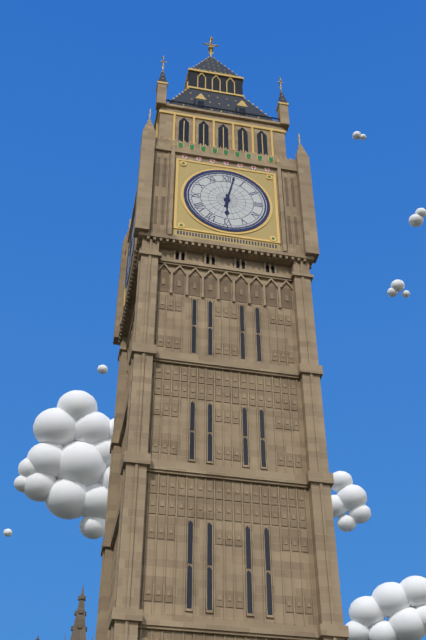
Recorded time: 6:02
